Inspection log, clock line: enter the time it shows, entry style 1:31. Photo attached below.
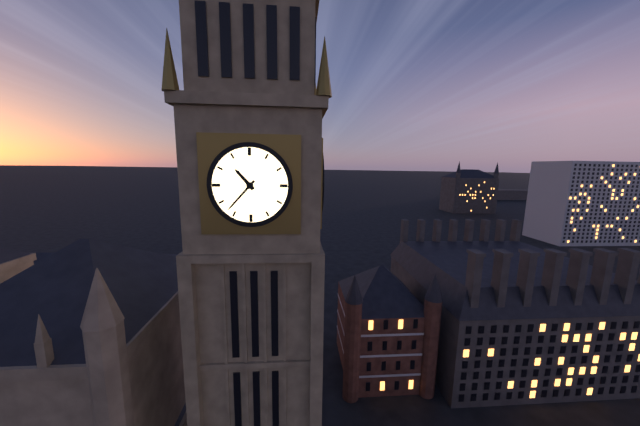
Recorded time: 10:37
